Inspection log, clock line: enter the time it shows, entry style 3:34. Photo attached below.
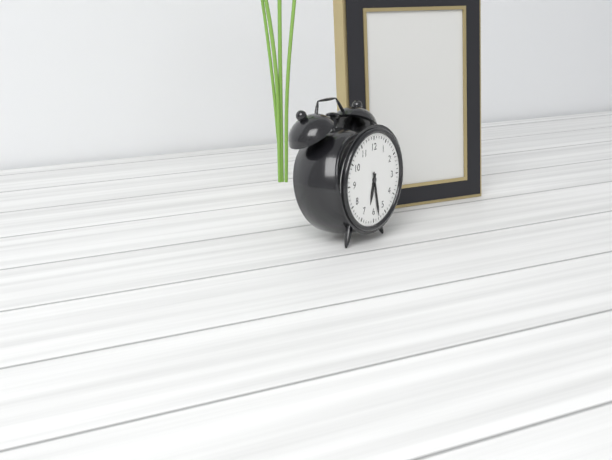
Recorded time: 6:28
